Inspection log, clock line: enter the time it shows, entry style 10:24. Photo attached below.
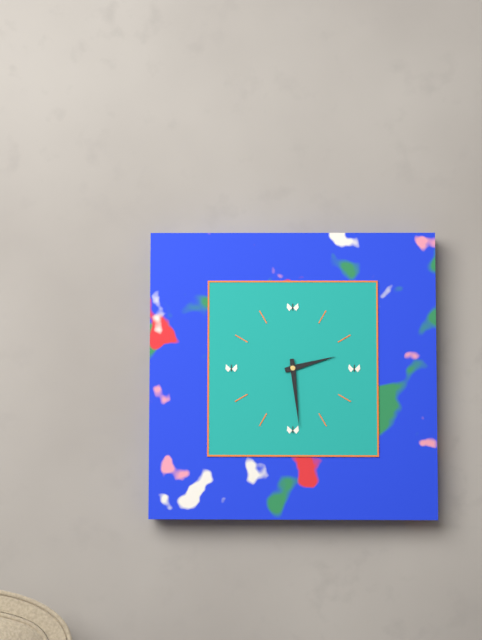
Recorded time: 2:29
